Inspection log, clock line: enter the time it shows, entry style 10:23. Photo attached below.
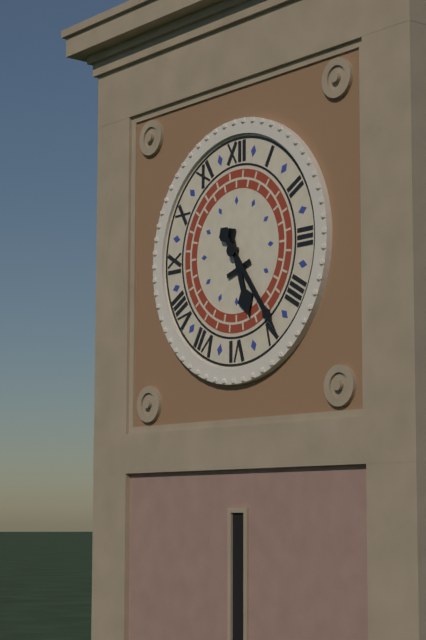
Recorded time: 5:24
